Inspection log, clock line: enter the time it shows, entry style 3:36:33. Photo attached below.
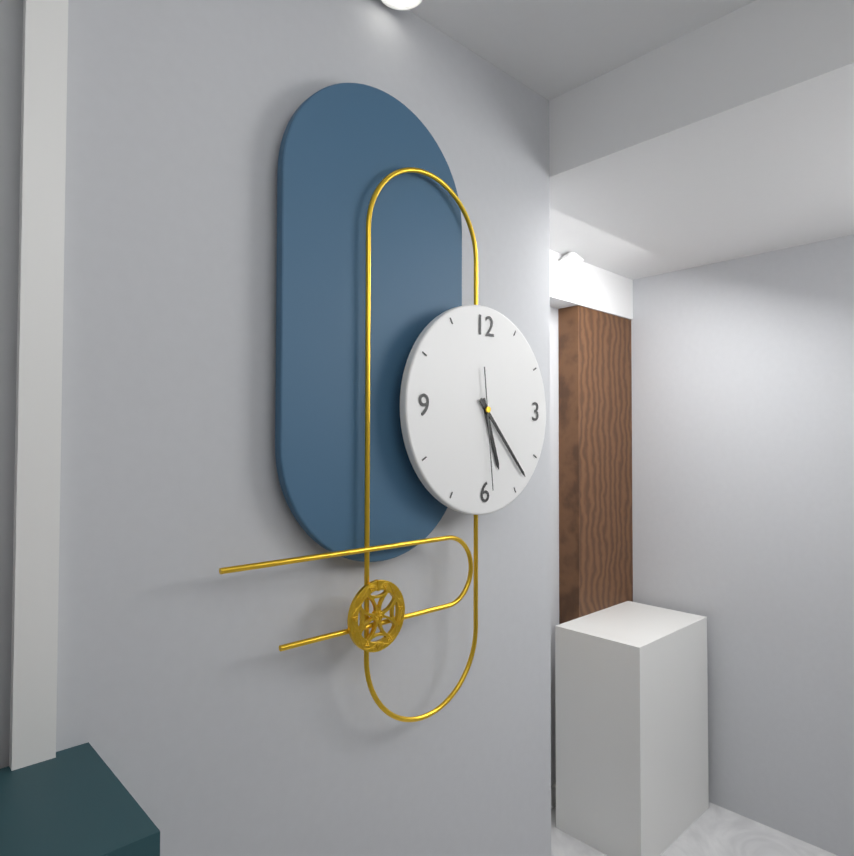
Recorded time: 5:23:29
